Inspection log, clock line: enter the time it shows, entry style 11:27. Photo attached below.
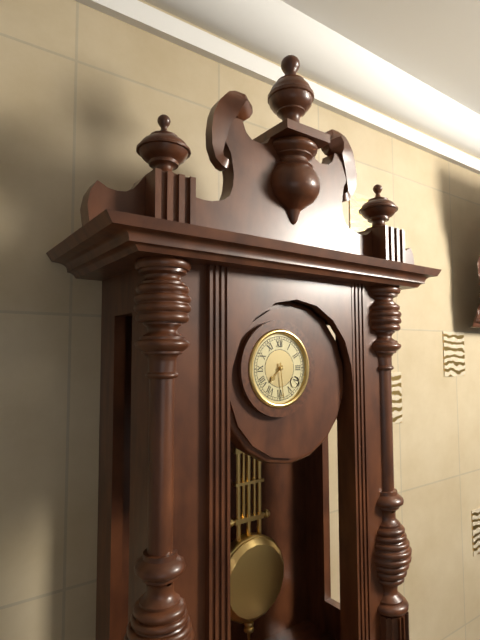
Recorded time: 7:29
